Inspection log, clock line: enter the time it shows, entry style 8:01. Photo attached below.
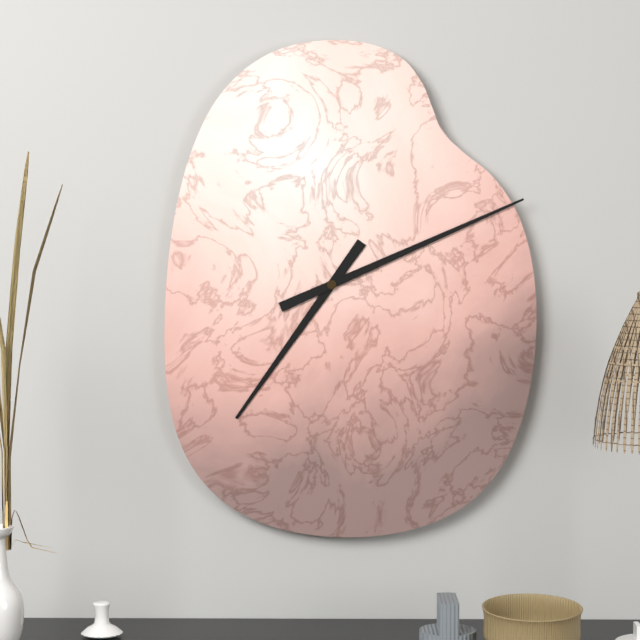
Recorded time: 7:11
